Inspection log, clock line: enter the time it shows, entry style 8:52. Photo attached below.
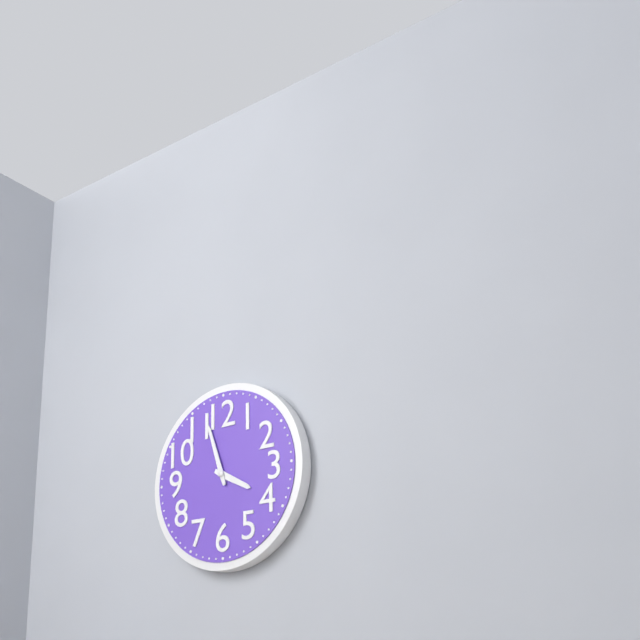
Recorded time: 3:57
